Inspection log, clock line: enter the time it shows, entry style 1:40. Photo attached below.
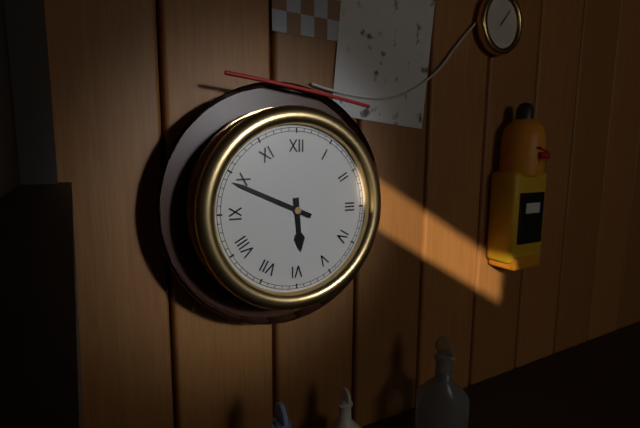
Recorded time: 5:49
